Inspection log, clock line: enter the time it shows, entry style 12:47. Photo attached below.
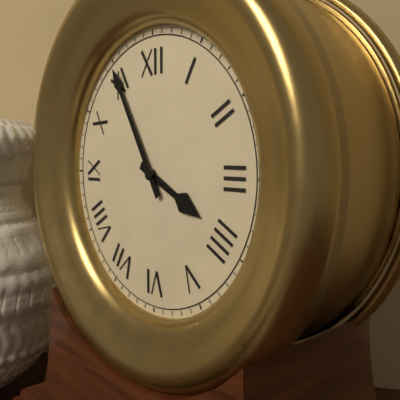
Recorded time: 3:55
